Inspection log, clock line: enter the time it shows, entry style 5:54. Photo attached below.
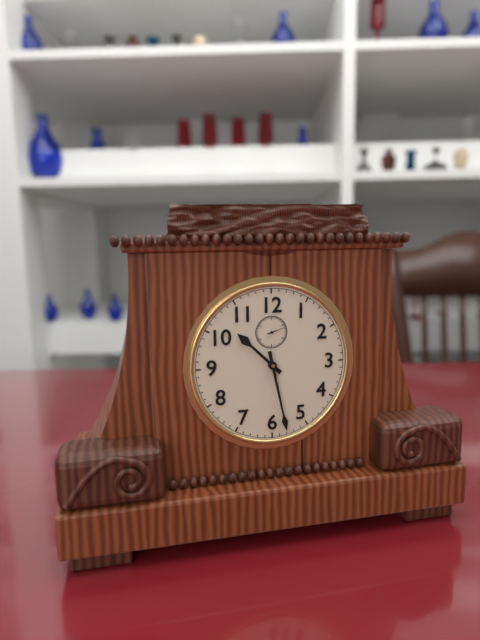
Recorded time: 10:28
